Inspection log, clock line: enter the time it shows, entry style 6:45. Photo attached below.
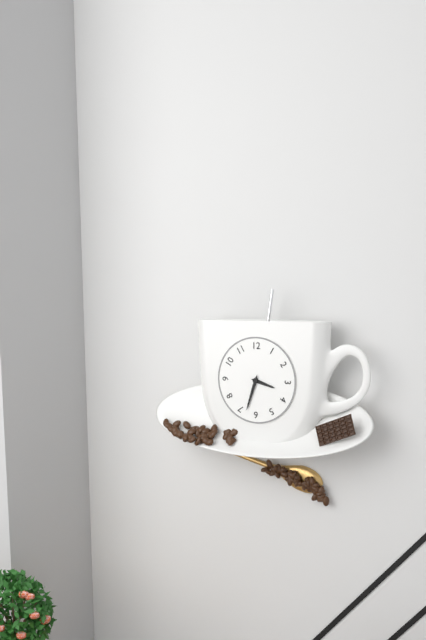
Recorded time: 3:33
